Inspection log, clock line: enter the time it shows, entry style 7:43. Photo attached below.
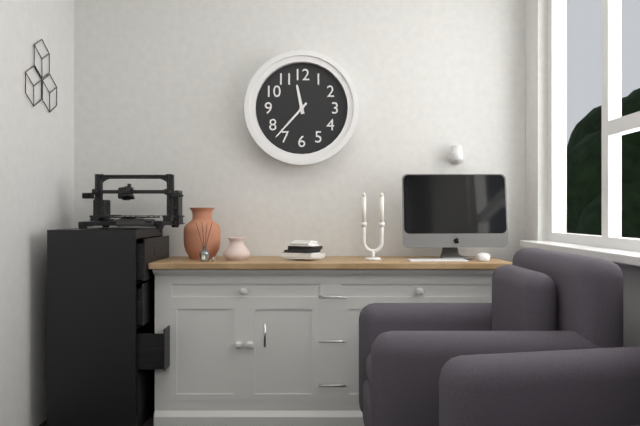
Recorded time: 11:37
